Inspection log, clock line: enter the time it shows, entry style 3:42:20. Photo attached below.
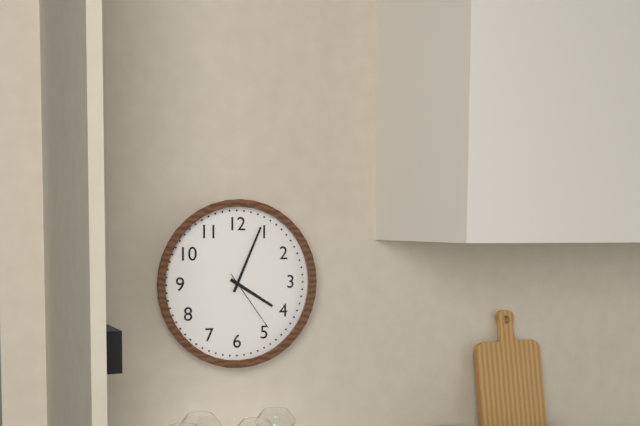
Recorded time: 4:04:24
